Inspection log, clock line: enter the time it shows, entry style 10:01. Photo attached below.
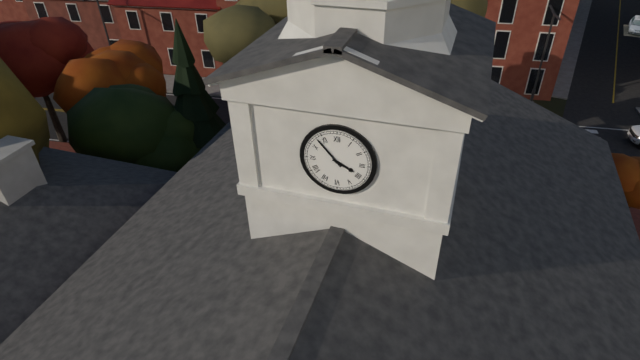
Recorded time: 3:53
